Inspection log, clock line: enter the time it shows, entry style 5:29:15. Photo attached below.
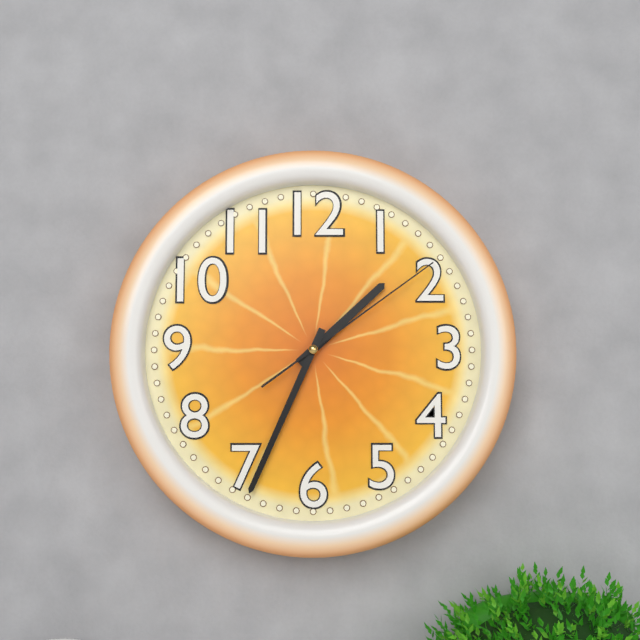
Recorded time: 1:34:09
